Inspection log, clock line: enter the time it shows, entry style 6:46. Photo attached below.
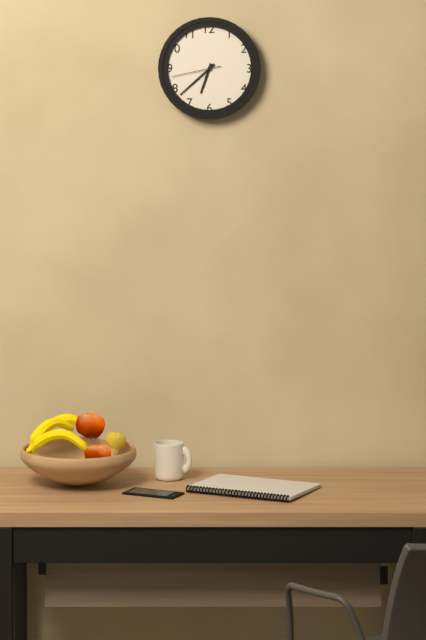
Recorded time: 6:38
